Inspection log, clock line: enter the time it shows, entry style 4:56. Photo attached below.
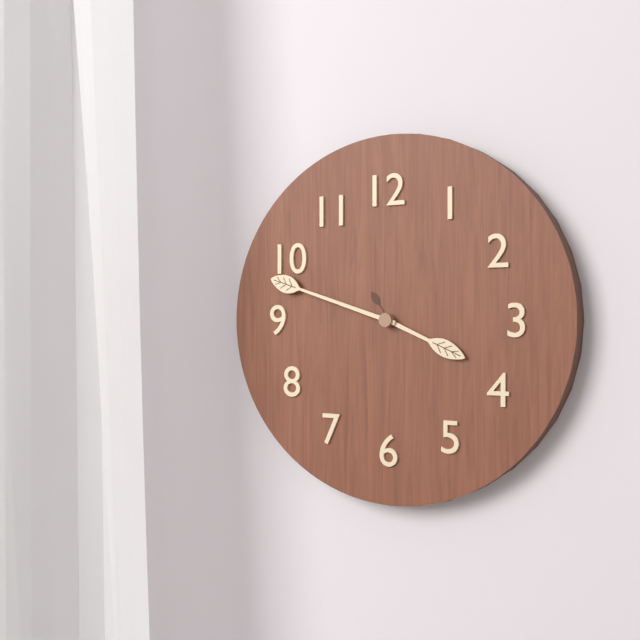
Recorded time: 3:48
